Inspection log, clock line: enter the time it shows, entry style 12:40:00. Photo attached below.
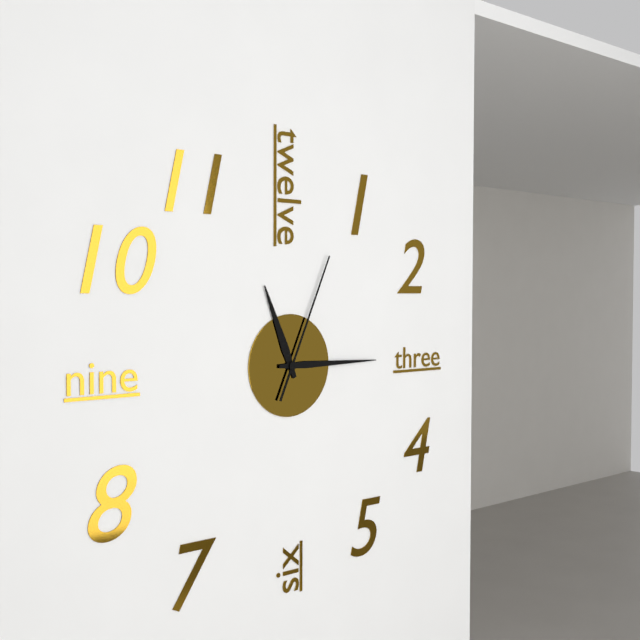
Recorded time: 11:15:04
